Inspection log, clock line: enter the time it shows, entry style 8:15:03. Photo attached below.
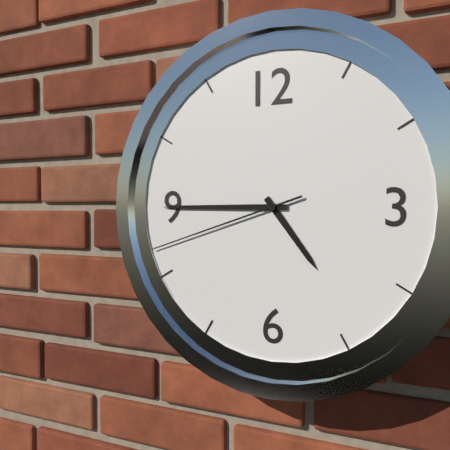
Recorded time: 4:45:42
